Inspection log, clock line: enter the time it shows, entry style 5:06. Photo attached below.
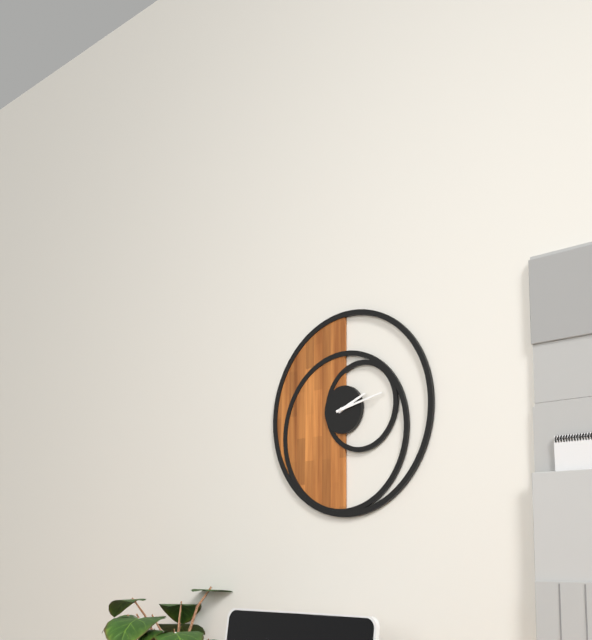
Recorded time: 2:13
